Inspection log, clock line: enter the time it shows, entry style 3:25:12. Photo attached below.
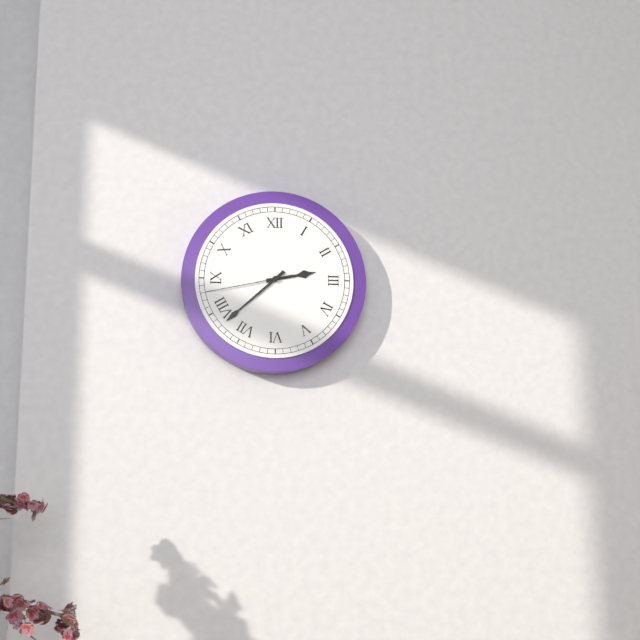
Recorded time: 2:38:43
